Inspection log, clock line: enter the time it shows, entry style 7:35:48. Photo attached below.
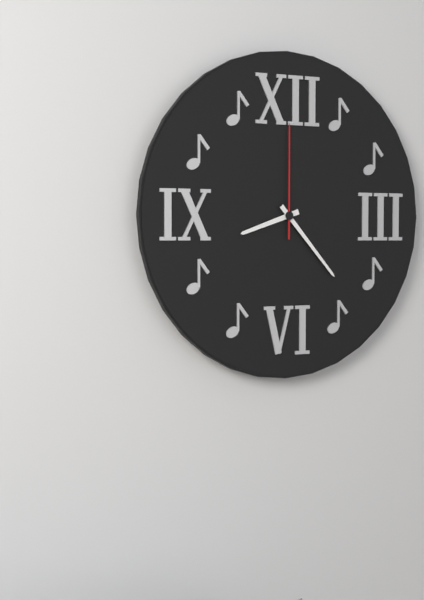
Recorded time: 8:23:00
